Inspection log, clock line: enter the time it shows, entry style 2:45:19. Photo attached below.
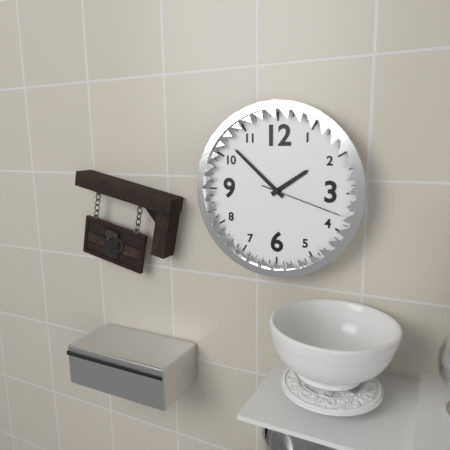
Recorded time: 1:52:18
